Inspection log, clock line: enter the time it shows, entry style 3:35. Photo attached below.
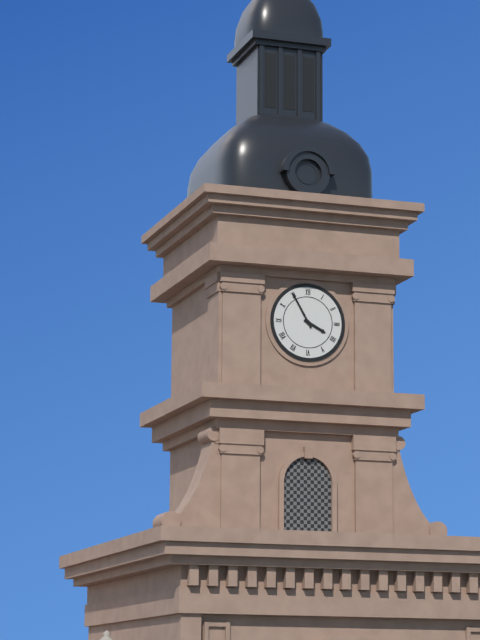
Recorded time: 3:55
